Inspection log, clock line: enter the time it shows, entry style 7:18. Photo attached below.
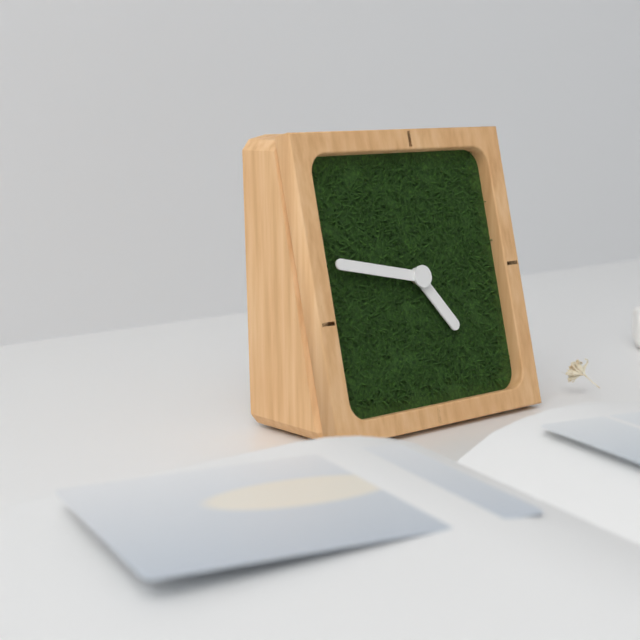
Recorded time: 4:47
